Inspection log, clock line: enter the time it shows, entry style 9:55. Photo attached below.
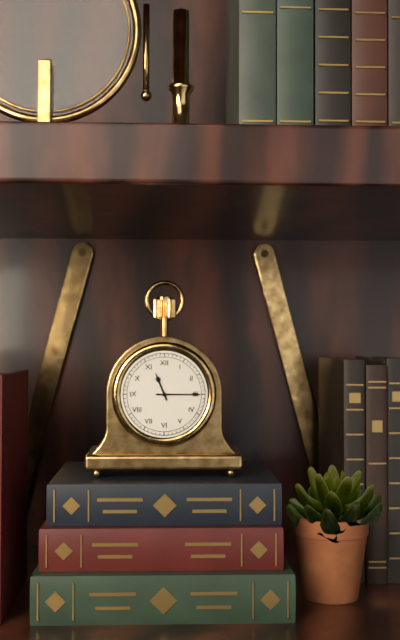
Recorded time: 11:15
